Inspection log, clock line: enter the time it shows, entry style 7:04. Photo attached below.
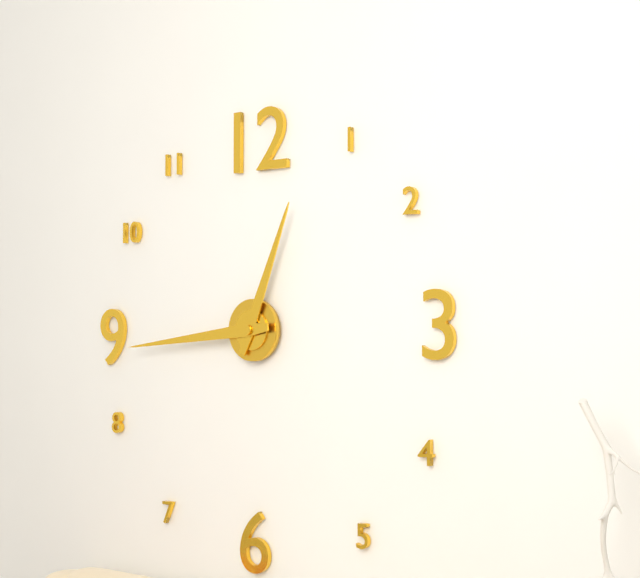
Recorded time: 12:44
